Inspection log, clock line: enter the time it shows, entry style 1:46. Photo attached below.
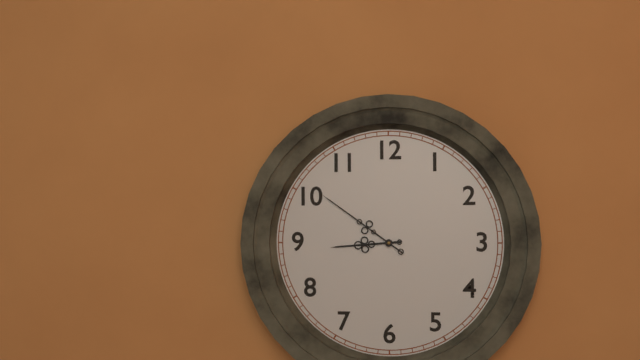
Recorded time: 8:51
